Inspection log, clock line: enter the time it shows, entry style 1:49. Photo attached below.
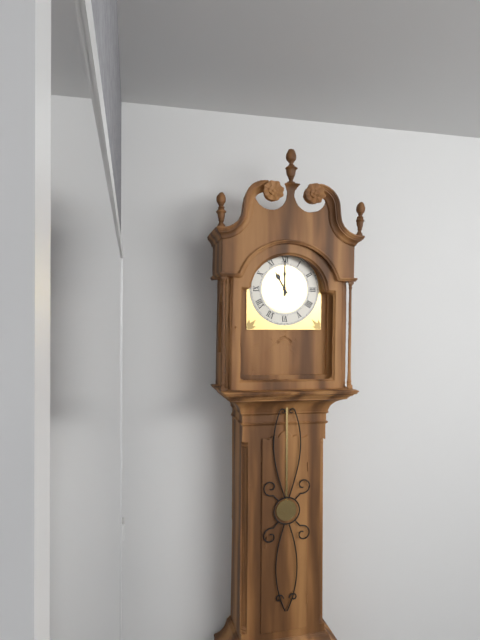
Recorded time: 11:00
